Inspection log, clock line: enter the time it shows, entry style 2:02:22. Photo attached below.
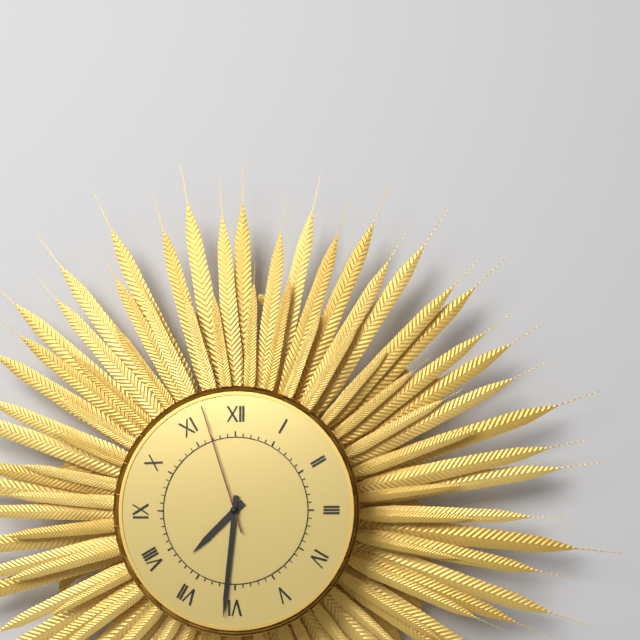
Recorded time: 7:31:57
